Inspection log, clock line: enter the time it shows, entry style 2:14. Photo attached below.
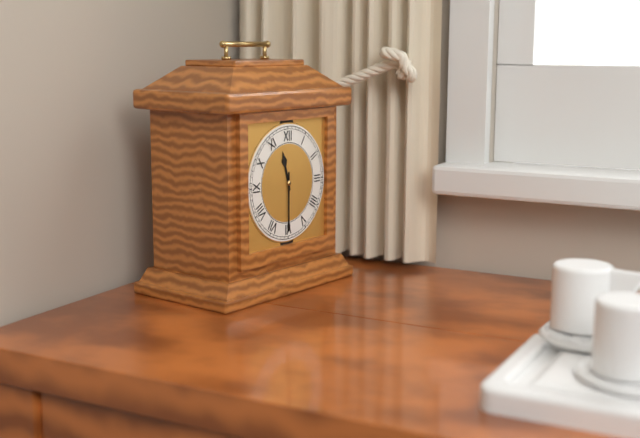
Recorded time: 11:30
